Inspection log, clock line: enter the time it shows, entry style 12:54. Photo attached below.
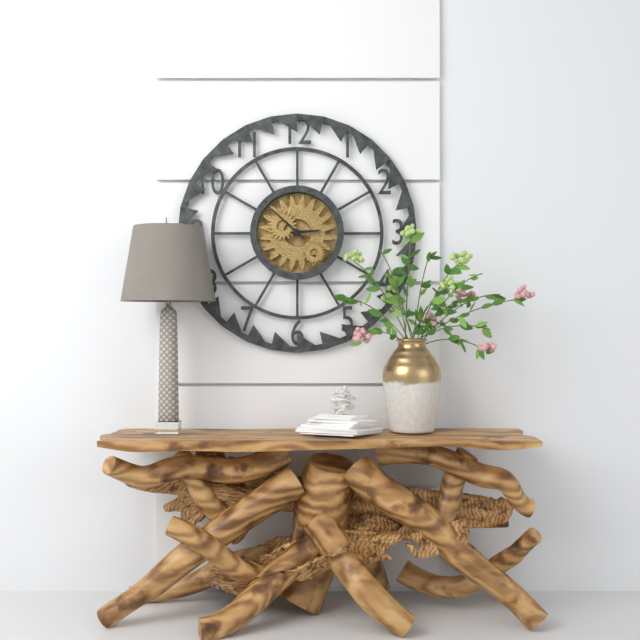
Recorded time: 2:52
